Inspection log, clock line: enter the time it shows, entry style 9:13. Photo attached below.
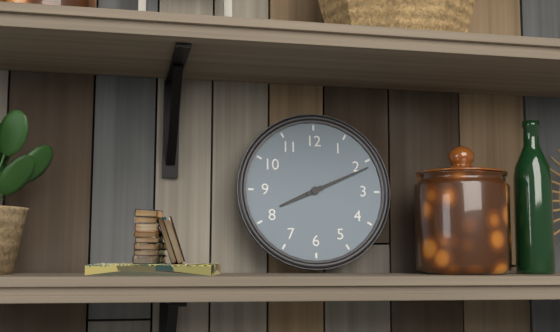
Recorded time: 8:11
